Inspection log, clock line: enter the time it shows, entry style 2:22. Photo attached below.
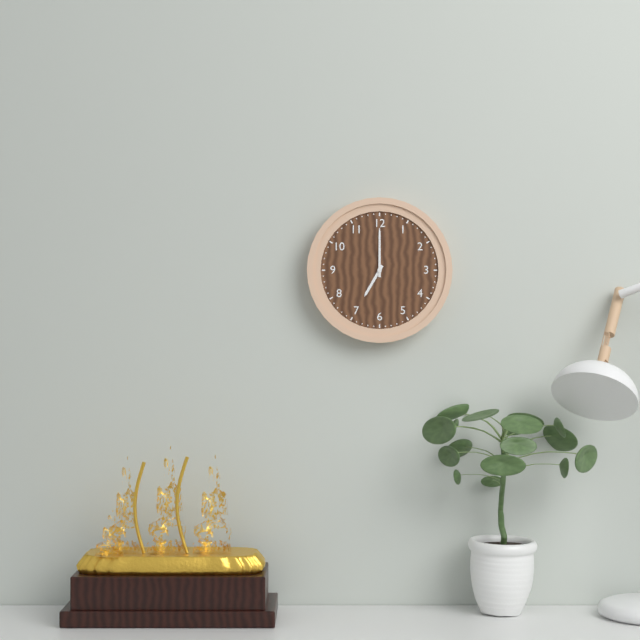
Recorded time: 7:00
